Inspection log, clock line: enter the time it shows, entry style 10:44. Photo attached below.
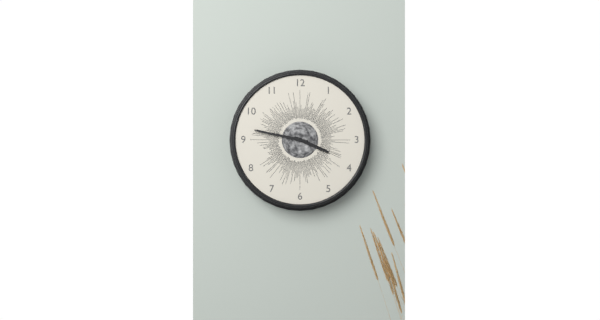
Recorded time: 3:47
